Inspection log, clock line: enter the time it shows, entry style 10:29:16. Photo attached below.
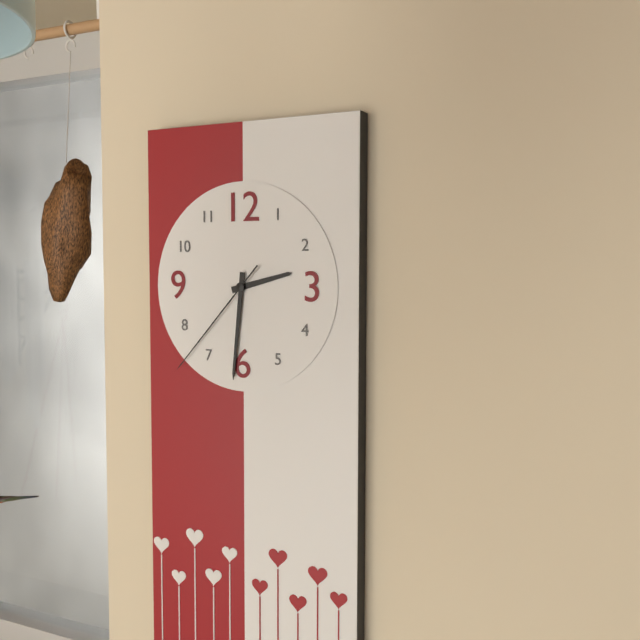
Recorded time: 2:31:37
